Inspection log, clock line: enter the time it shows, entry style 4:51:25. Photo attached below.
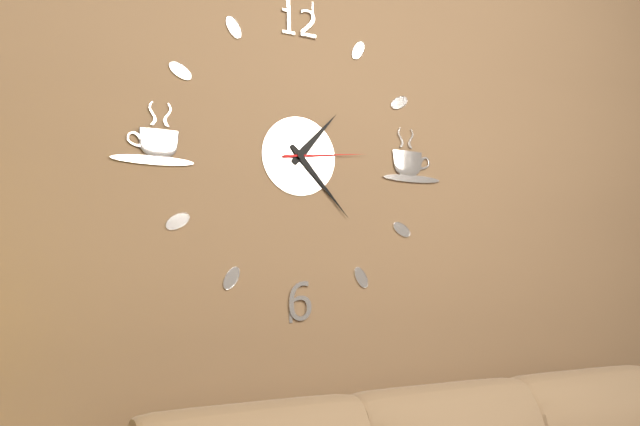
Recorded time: 1:23:14
